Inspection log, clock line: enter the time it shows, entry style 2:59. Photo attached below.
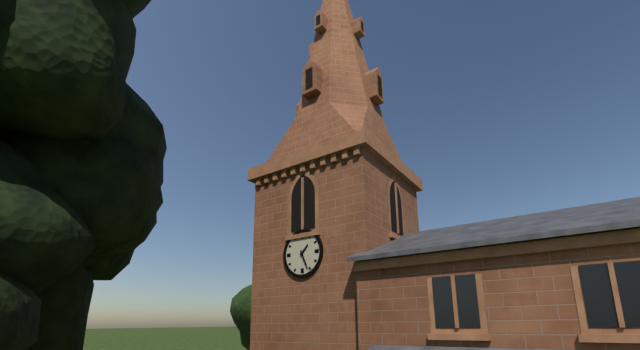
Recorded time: 1:26
